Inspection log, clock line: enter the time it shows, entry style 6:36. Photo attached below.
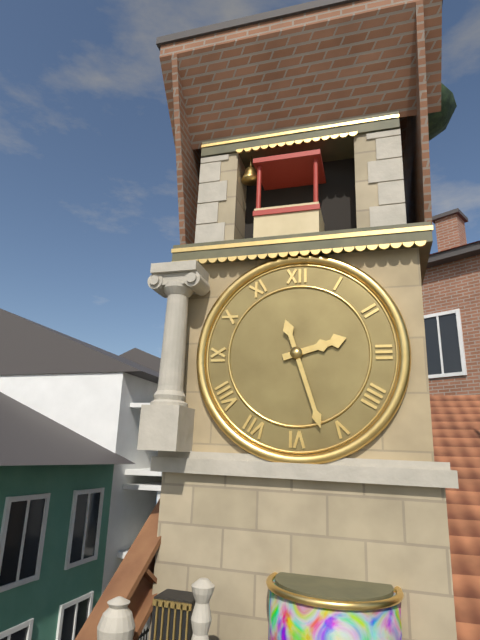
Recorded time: 2:27
